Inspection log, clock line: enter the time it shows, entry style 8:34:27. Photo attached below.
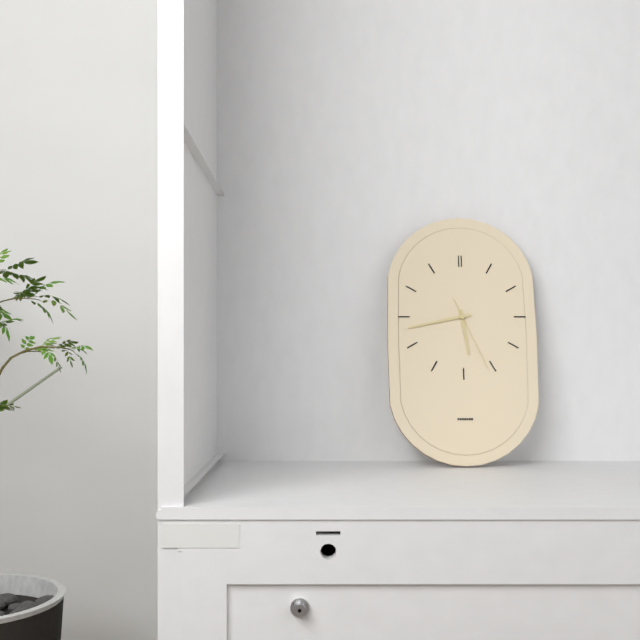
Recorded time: 5:43:26
